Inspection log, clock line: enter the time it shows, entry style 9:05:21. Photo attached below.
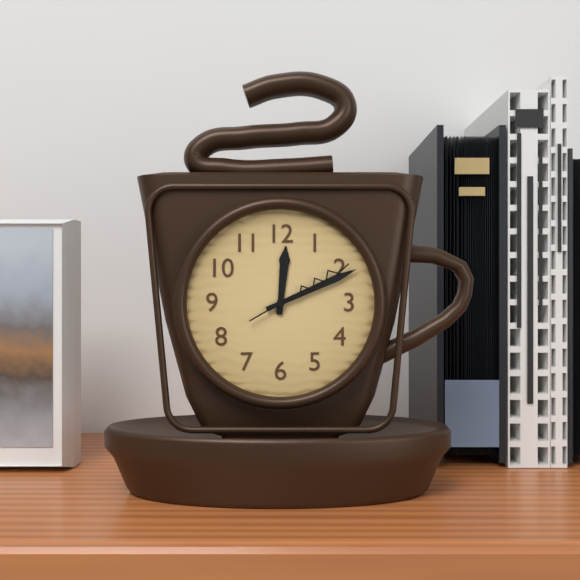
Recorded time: 12:11:10
